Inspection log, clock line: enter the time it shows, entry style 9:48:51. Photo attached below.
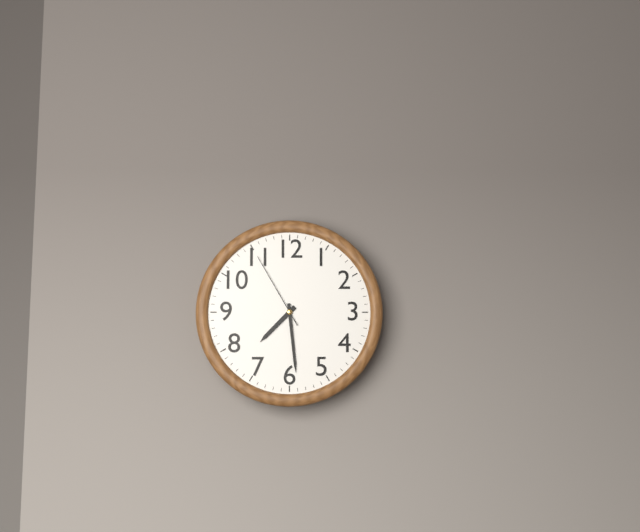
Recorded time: 7:29:55
